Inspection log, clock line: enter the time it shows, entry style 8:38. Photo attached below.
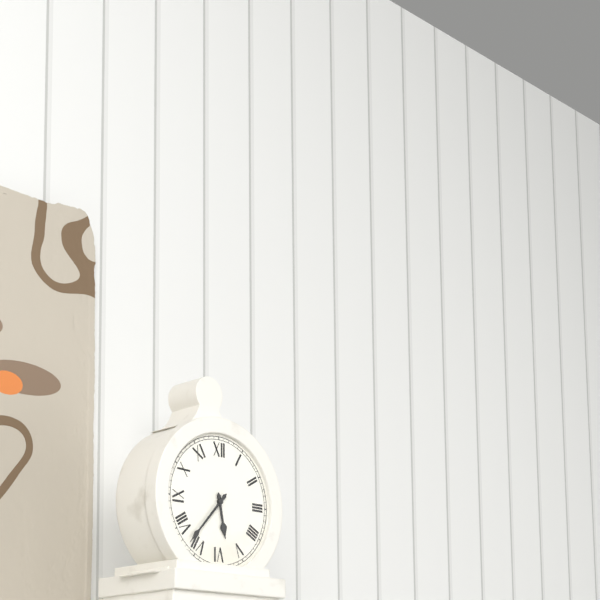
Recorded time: 5:37
